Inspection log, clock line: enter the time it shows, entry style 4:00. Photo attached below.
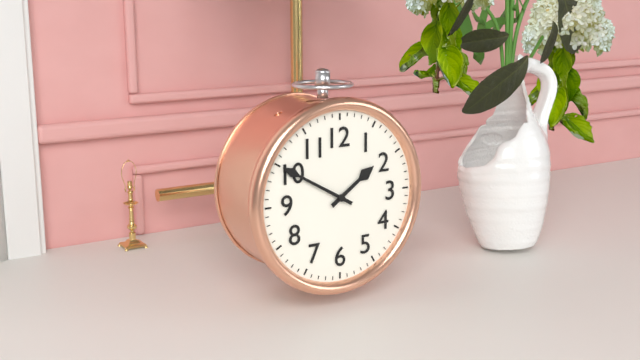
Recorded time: 1:50
